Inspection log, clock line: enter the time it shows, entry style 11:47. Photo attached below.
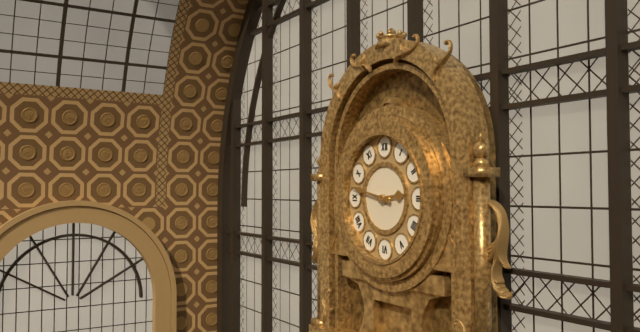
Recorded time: 2:47
